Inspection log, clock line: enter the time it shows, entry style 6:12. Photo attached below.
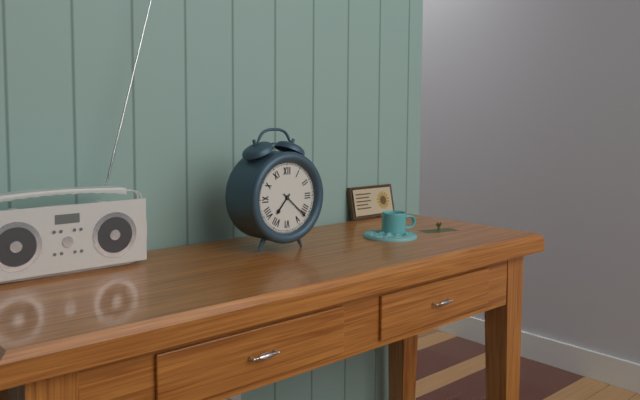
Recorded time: 7:22
